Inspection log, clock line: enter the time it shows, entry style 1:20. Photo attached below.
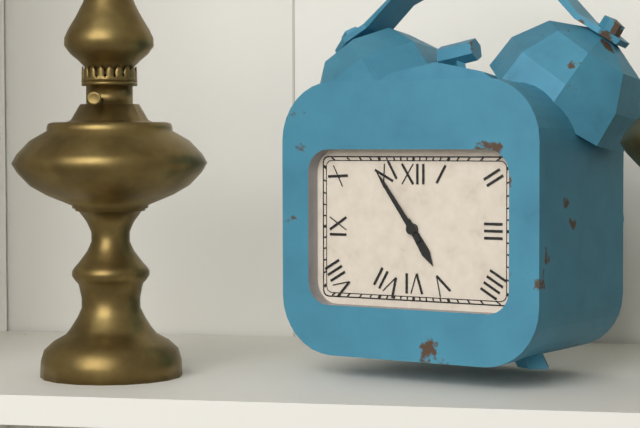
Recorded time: 4:54
